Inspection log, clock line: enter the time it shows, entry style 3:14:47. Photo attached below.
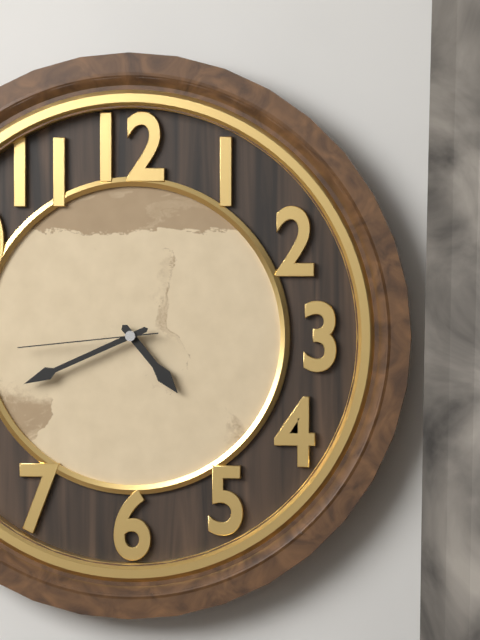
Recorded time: 4:41:44
